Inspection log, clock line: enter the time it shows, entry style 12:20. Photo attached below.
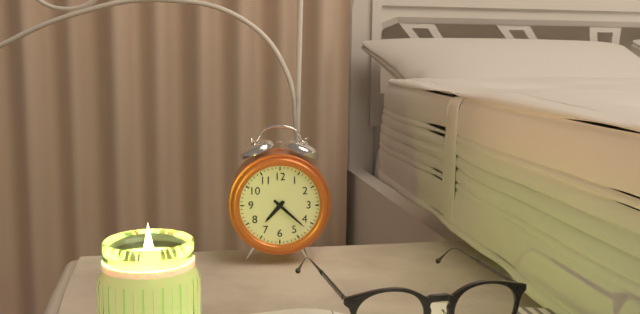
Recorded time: 7:22
